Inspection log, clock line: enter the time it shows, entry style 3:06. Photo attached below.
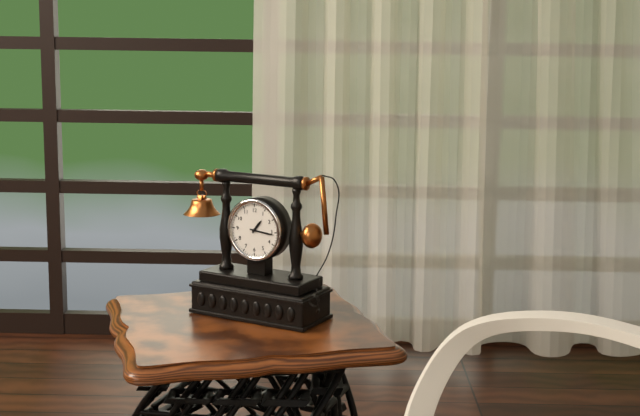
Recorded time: 1:16
